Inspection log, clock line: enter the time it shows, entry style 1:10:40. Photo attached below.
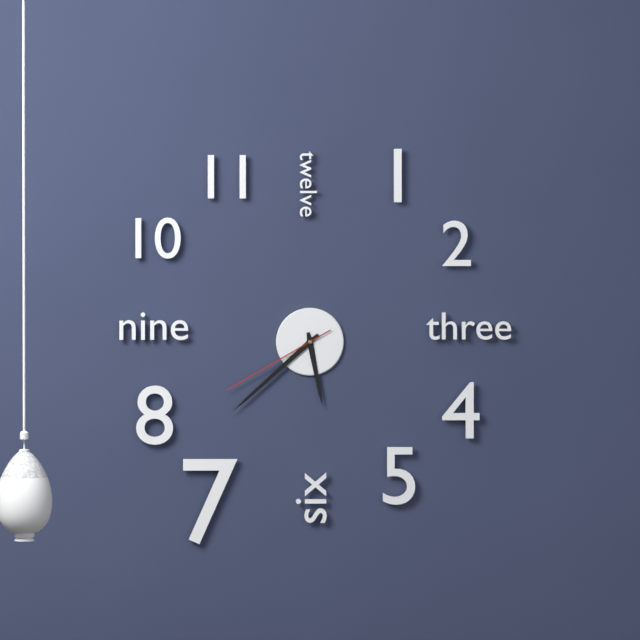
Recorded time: 5:38:40
